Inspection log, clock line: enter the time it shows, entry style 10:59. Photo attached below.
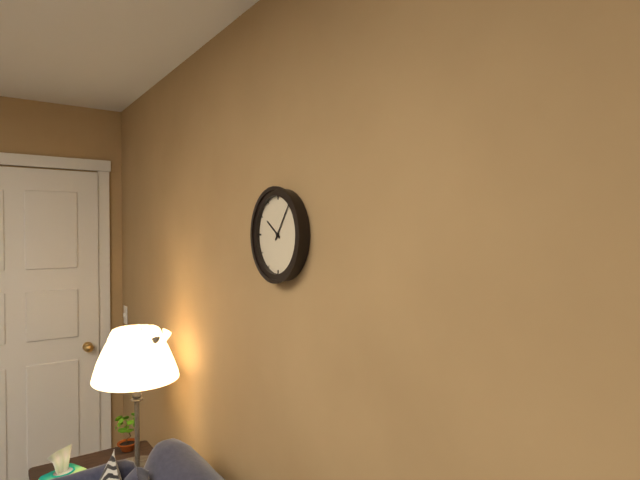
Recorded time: 10:06
